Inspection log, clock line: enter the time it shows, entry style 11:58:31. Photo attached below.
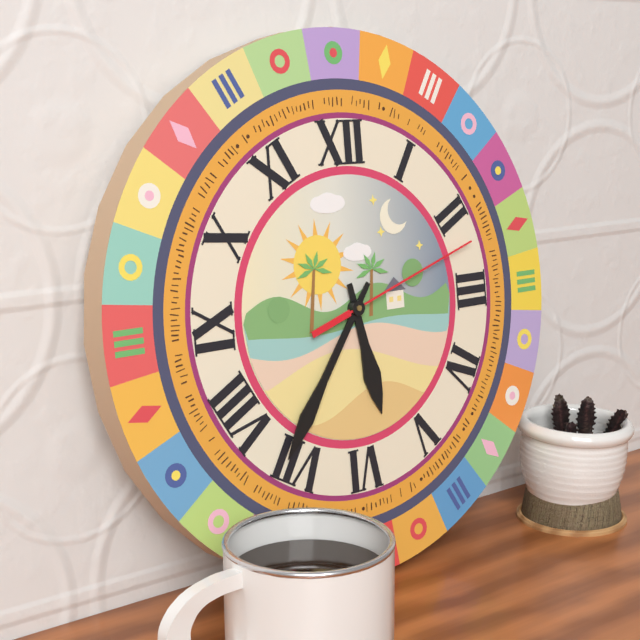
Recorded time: 5:36:12
